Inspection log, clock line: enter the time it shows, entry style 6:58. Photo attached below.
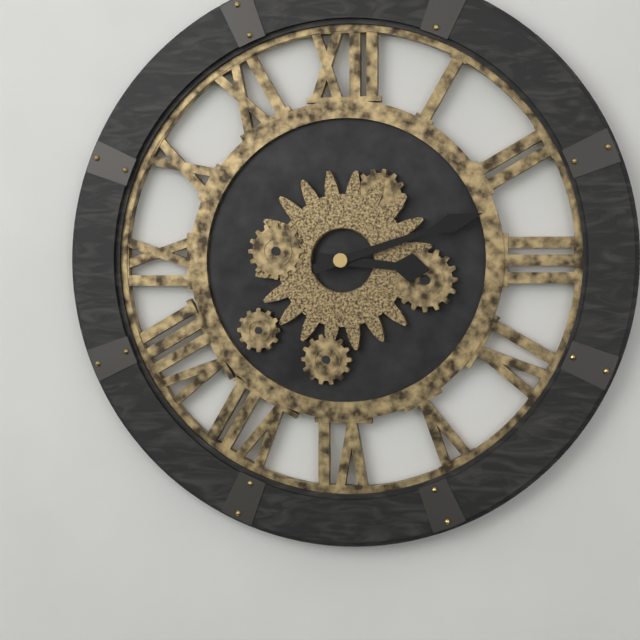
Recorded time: 3:12
